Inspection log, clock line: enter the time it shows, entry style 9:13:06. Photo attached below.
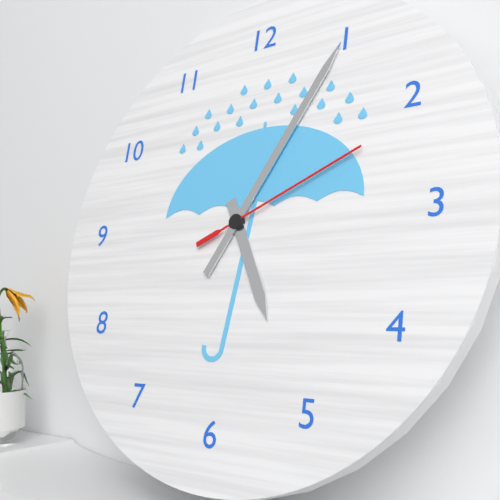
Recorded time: 5:05:11
